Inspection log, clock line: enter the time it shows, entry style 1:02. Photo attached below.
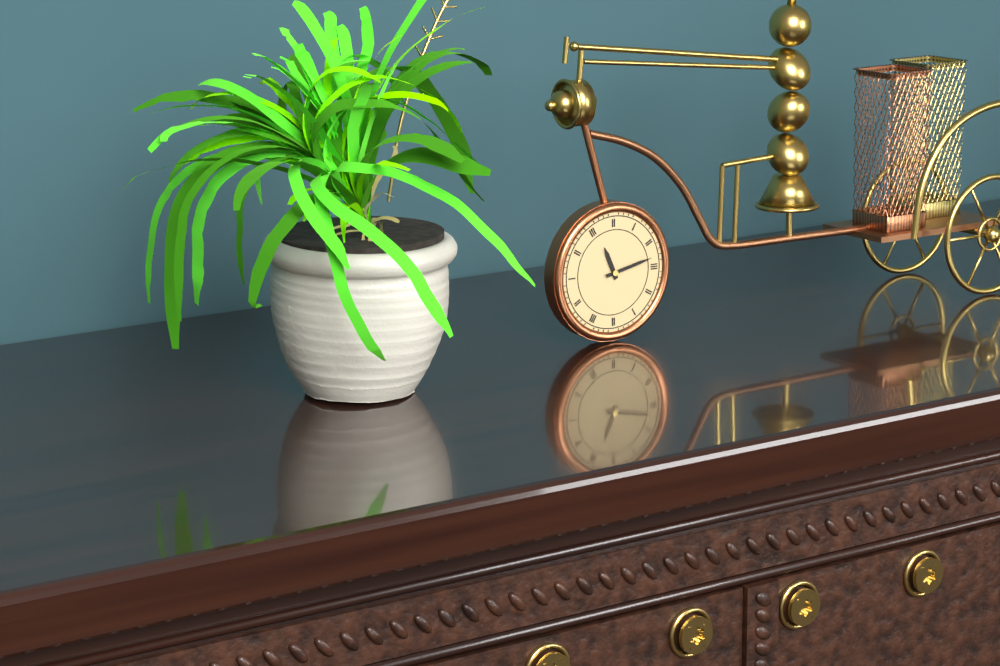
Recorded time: 11:13
